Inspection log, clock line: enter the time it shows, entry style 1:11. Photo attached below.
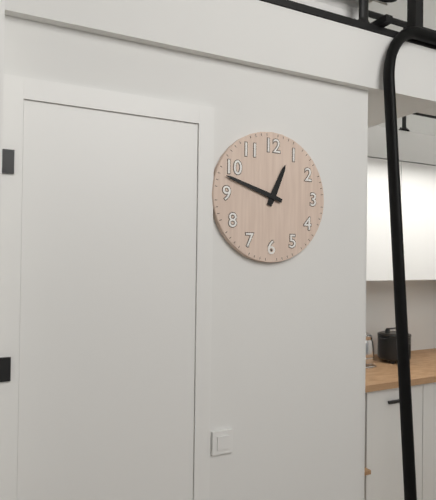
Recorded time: 12:48
